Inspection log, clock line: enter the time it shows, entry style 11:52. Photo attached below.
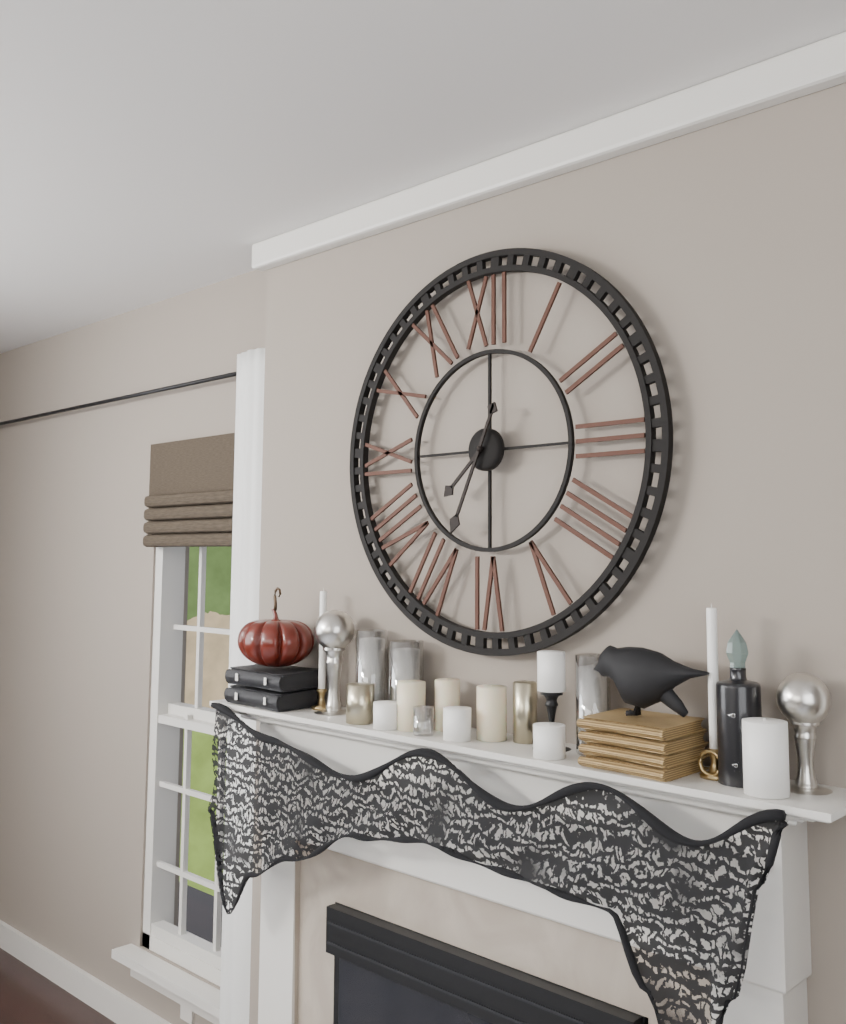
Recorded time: 7:34
